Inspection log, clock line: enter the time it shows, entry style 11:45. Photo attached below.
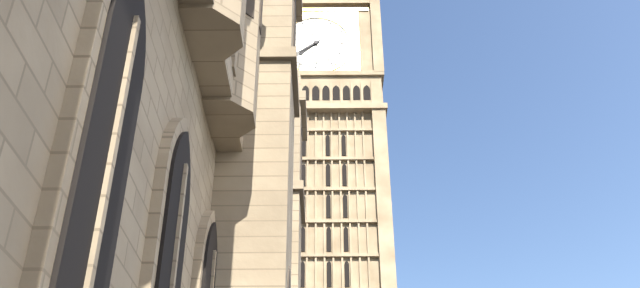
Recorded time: 7:39
